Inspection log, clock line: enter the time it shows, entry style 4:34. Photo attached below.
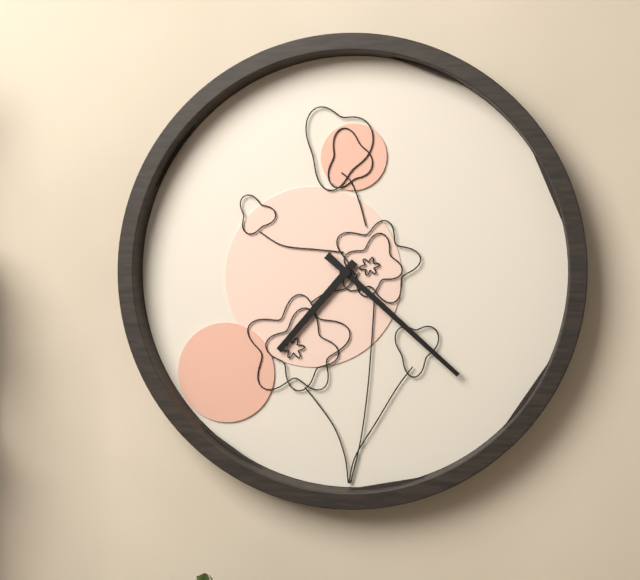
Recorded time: 7:22
